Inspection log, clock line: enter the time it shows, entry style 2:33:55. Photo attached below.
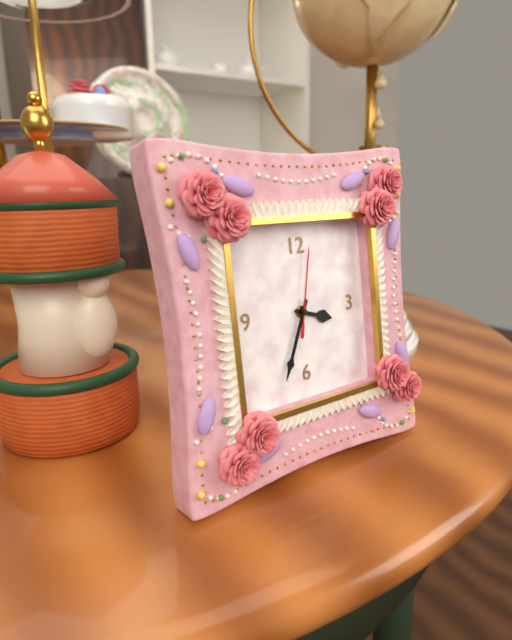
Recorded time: 3:34:02
